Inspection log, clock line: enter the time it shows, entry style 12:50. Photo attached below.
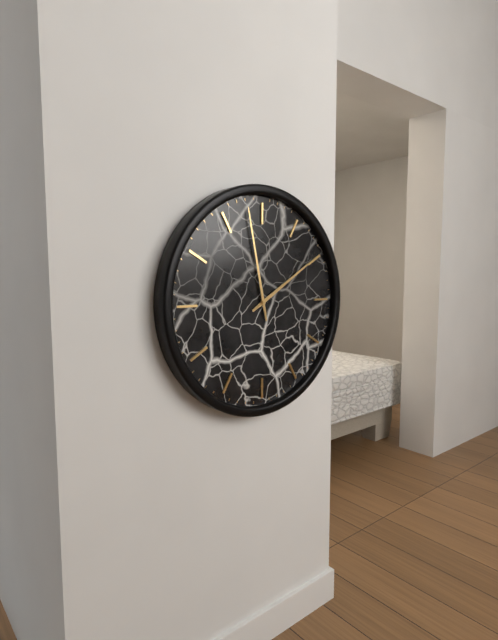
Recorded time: 1:58
